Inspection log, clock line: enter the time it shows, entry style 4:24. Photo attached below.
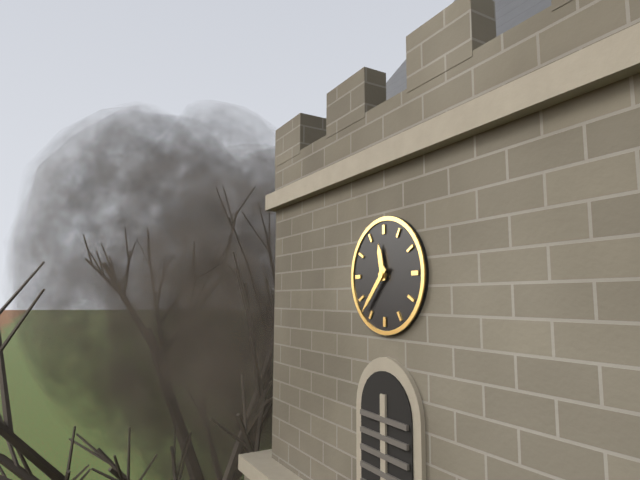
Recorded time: 11:37
